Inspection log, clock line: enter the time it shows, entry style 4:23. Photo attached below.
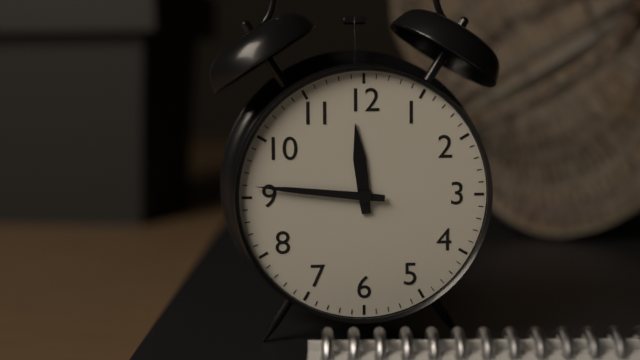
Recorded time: 11:46
